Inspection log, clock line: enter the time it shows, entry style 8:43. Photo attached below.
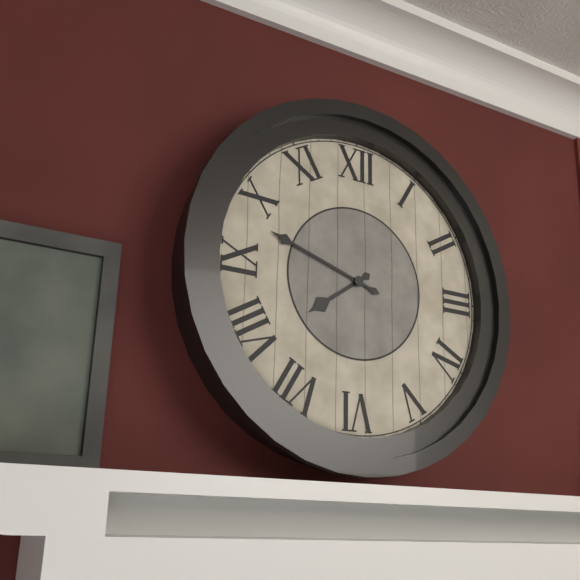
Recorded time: 7:48
